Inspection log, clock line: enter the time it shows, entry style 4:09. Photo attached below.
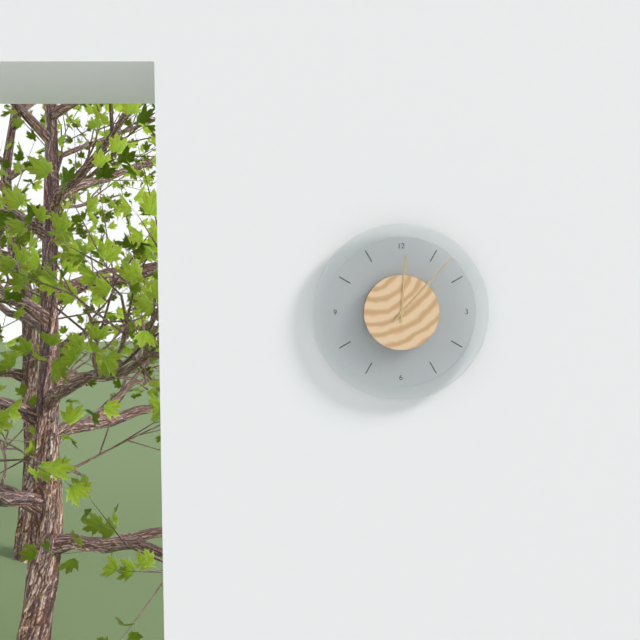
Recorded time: 12:07
